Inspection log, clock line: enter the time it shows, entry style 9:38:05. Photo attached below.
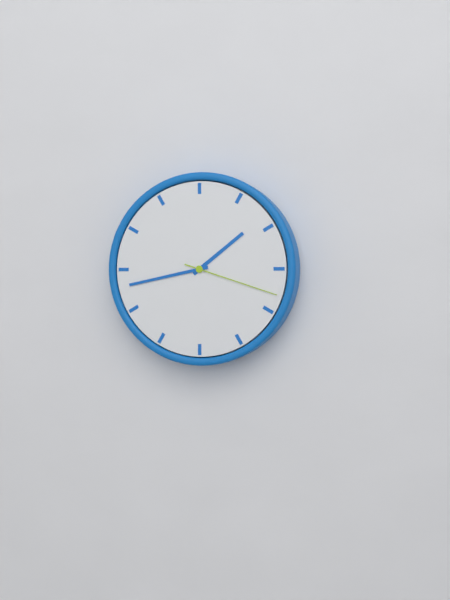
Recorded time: 1:43:18
